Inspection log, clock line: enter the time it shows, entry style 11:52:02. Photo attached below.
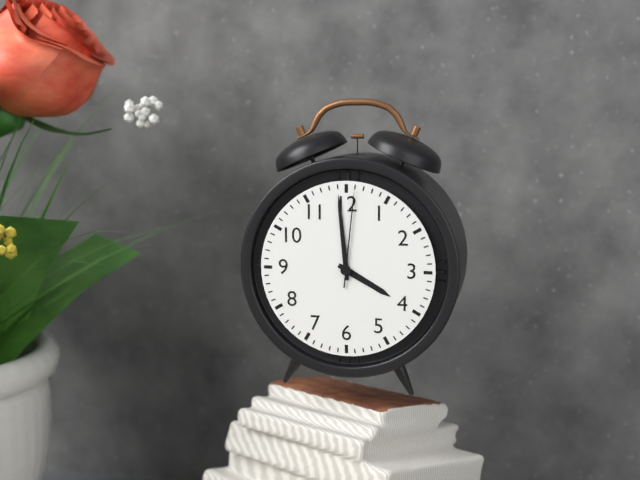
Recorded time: 3:59:01
